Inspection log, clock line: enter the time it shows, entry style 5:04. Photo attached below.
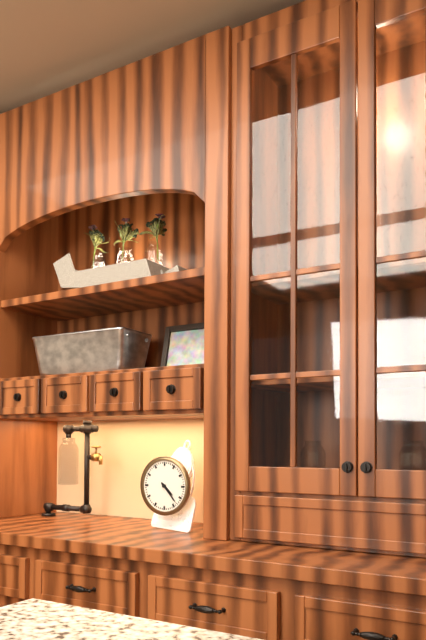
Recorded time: 4:23
